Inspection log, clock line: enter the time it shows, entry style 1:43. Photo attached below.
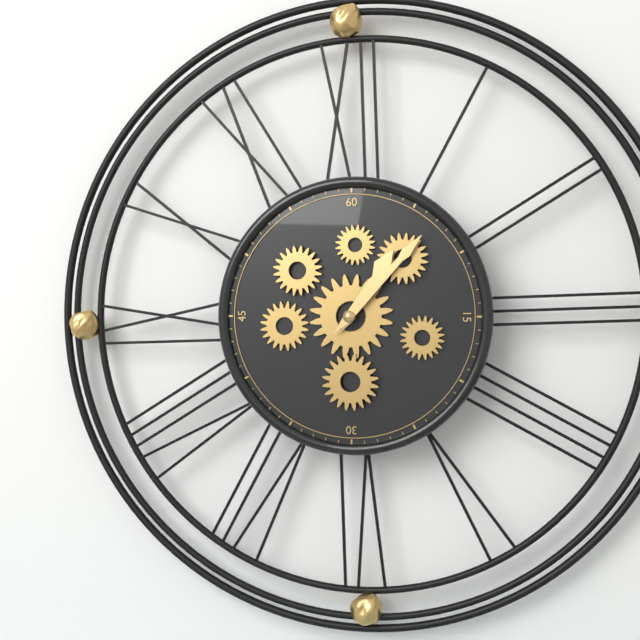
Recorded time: 1:07
